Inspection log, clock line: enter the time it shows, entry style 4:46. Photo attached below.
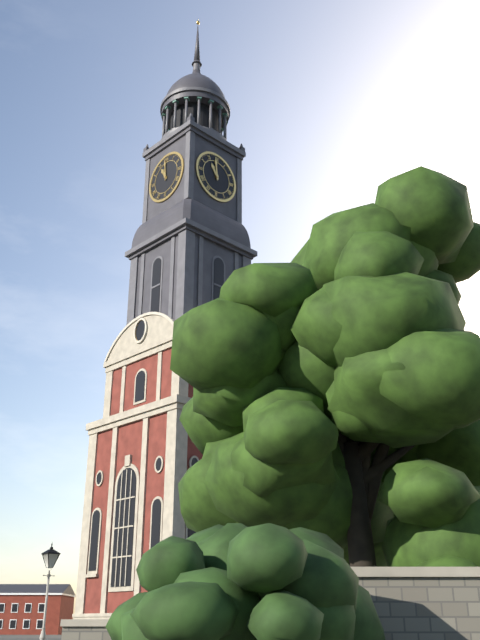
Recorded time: 10:59
